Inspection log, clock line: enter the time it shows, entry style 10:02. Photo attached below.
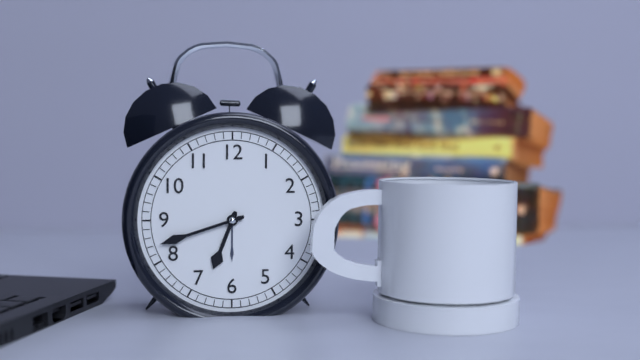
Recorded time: 6:42
